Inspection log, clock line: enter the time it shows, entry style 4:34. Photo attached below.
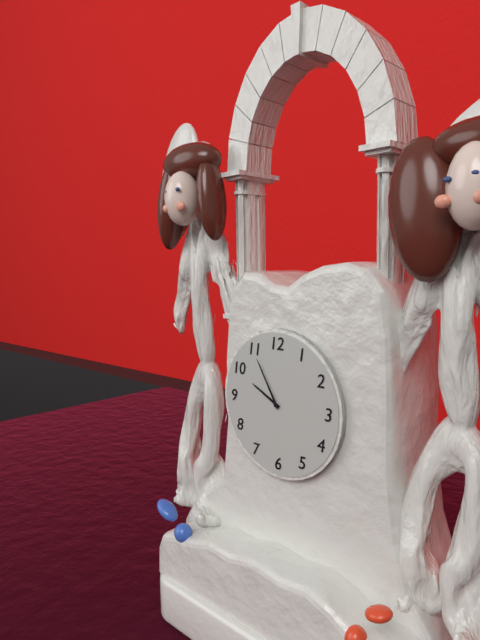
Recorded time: 9:55
